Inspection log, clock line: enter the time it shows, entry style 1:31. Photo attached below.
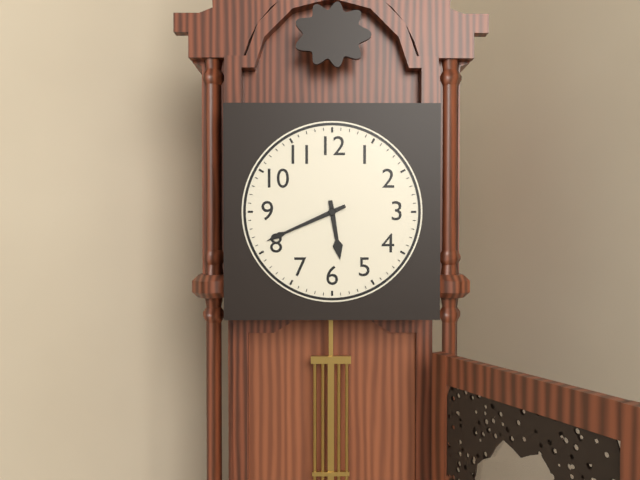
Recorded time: 5:41
